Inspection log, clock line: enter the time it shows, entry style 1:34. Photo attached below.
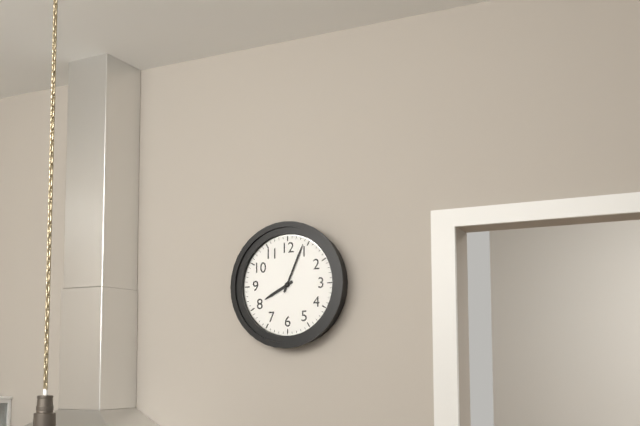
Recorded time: 8:04
